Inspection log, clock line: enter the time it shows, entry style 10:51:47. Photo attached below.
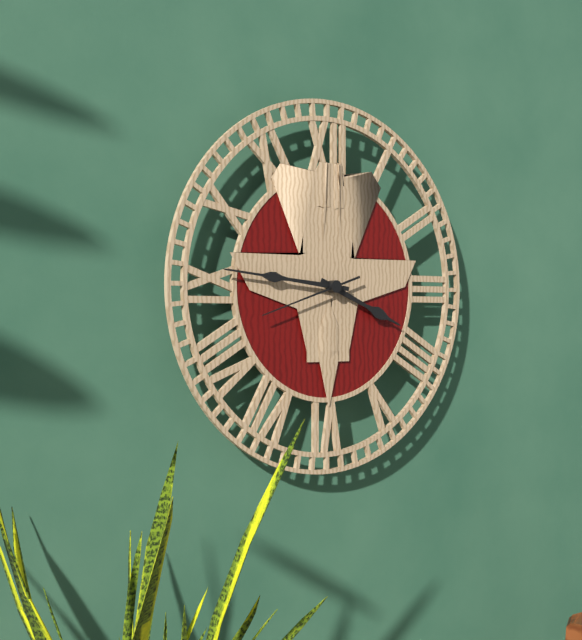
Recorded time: 3:46:42
